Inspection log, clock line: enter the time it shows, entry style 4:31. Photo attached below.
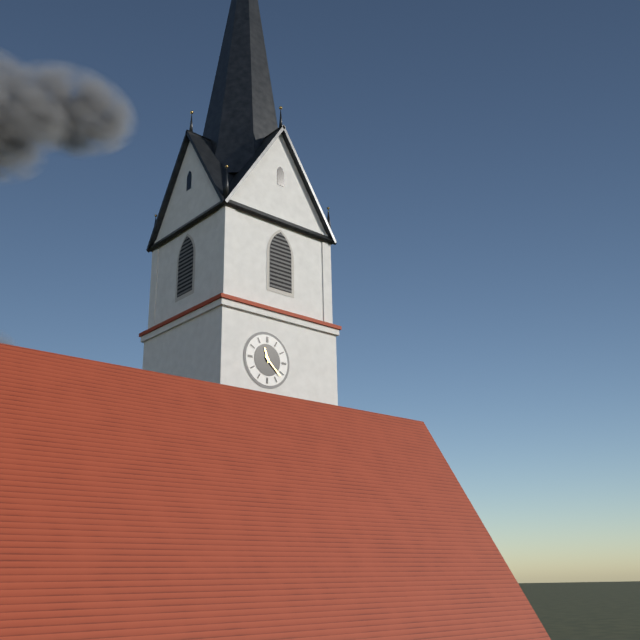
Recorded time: 11:22
